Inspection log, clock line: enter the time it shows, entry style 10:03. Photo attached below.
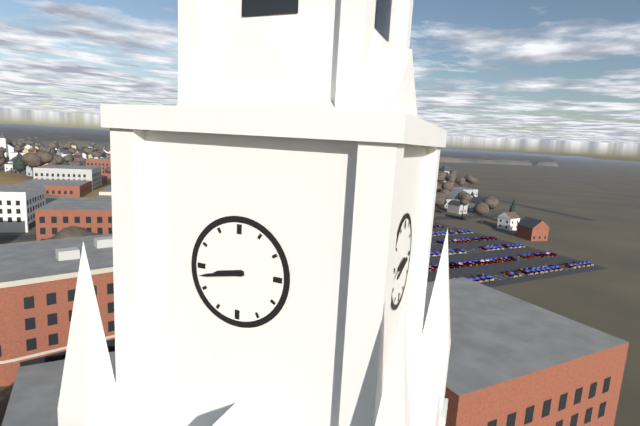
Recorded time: 8:43
